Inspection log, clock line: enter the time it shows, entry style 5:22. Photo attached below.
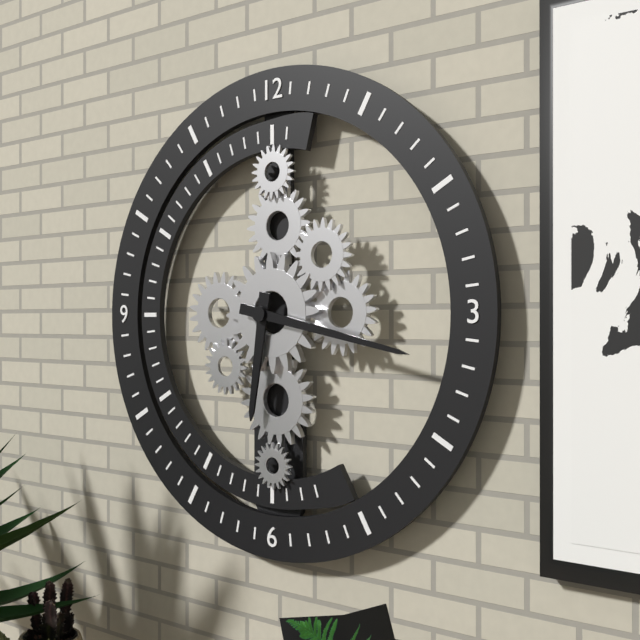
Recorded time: 6:17
